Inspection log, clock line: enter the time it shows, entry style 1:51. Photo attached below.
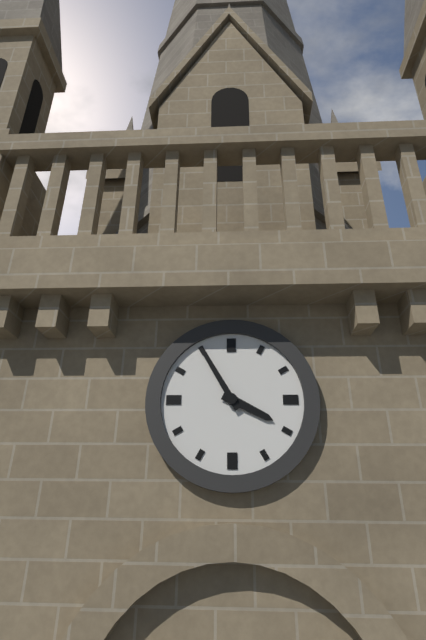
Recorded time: 3:55
